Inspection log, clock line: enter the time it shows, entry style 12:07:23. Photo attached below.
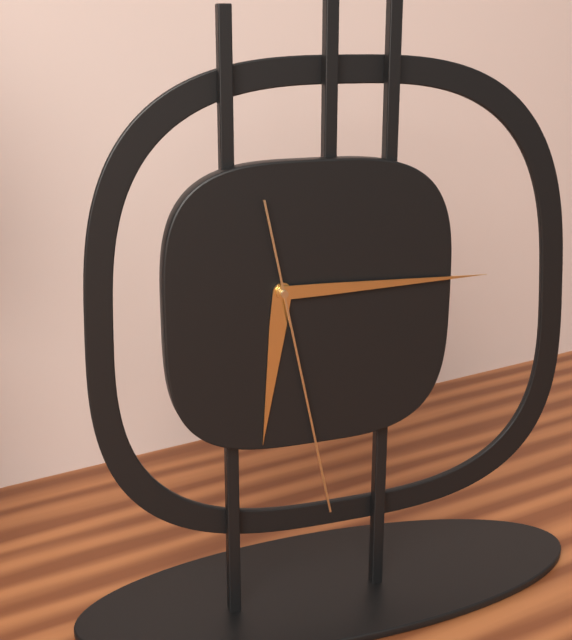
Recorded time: 6:15:28
